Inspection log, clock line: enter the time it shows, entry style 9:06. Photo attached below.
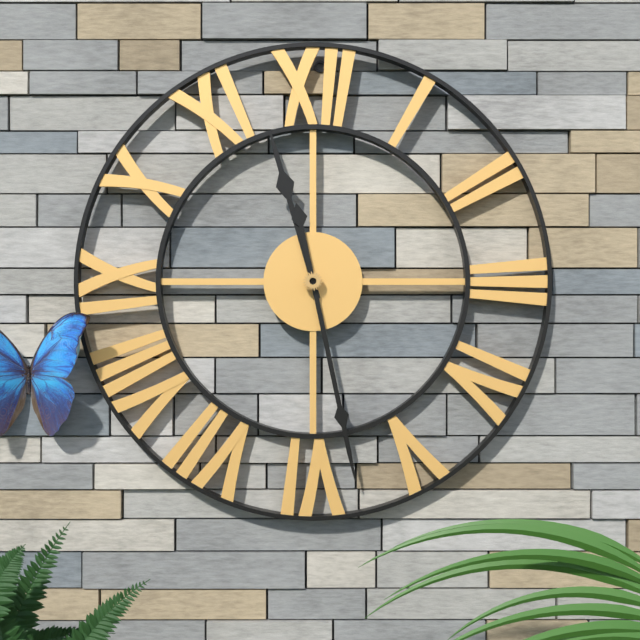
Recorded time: 11:28
